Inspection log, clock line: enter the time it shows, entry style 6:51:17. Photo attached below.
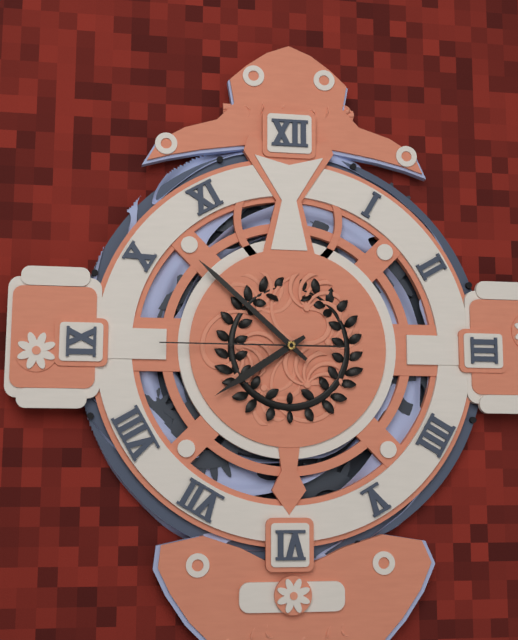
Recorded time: 7:52:45
